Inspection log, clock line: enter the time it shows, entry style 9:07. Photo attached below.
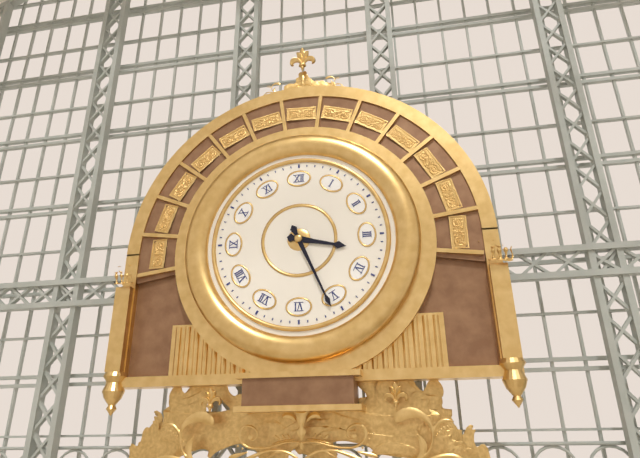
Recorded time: 3:26
